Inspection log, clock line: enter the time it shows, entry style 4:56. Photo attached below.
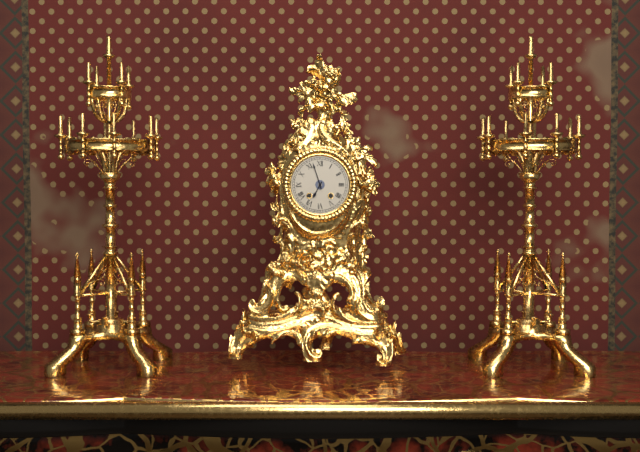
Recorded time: 6:57
